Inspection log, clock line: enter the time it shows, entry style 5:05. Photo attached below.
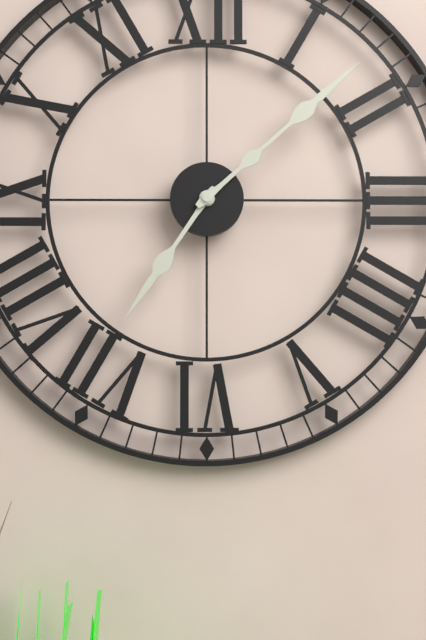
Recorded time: 7:08
